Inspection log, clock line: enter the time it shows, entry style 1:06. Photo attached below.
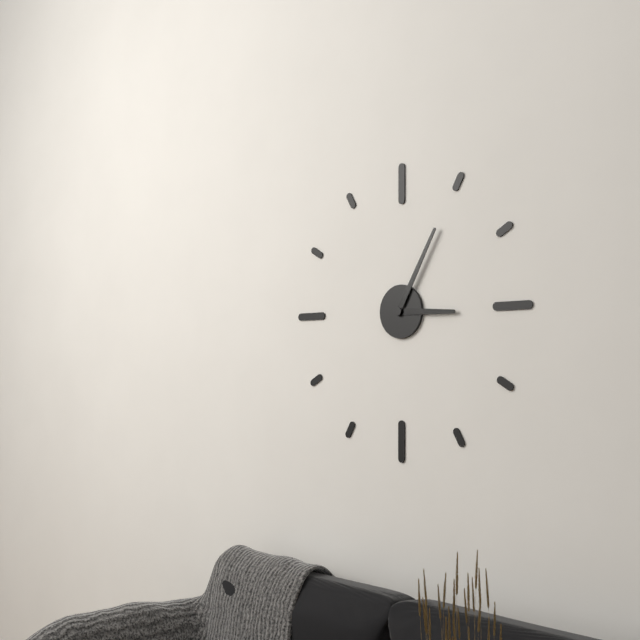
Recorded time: 3:05
